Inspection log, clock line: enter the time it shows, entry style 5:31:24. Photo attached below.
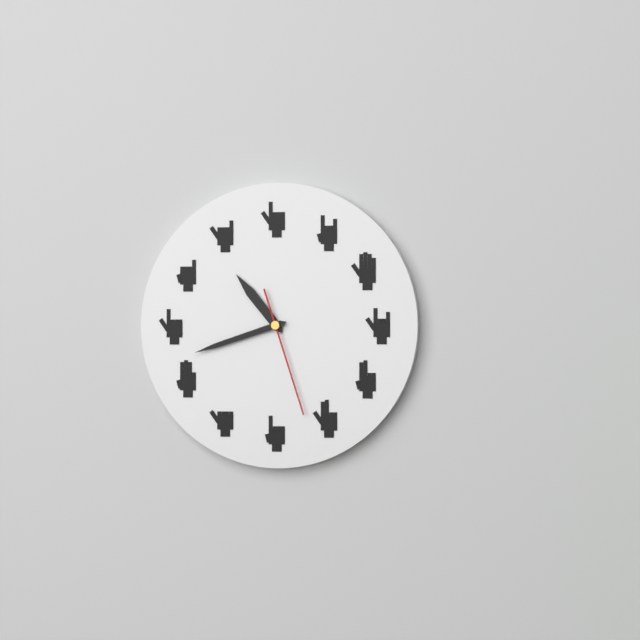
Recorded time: 10:42:27
